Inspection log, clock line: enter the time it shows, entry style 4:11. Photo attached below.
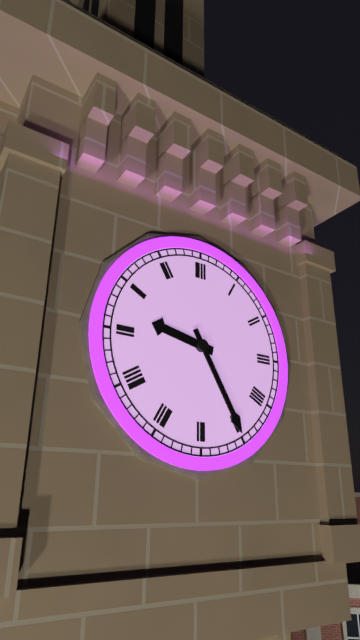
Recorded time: 9:25
